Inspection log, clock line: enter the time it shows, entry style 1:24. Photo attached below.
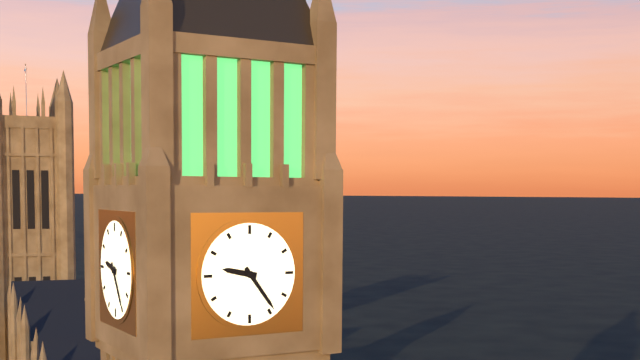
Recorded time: 9:24
